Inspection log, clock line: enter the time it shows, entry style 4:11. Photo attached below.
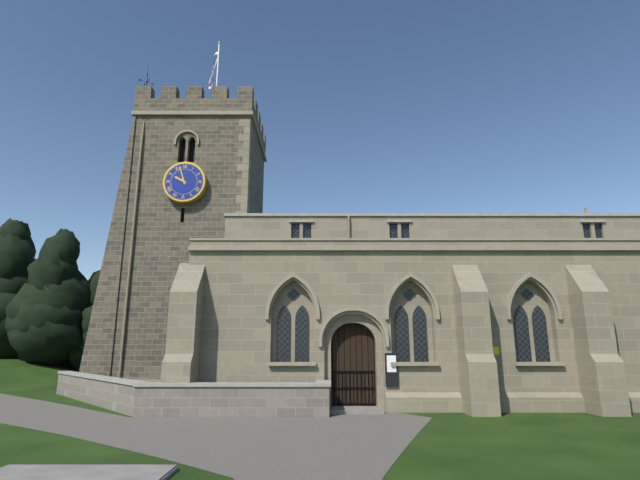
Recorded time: 9:57
